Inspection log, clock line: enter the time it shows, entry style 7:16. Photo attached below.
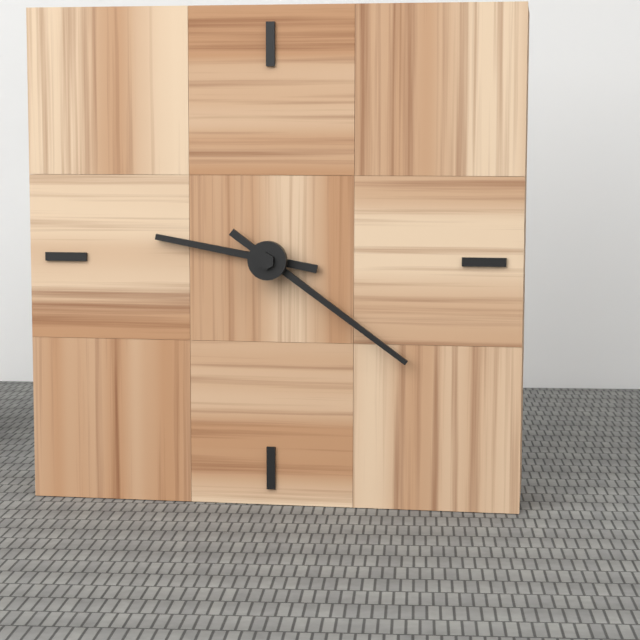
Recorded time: 9:21
